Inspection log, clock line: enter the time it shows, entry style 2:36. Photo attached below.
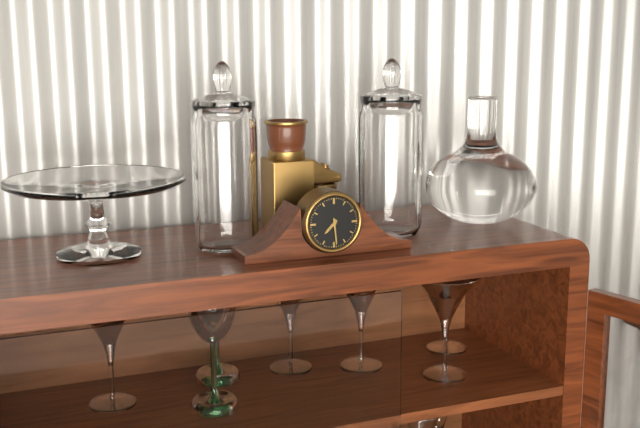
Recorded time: 7:29
